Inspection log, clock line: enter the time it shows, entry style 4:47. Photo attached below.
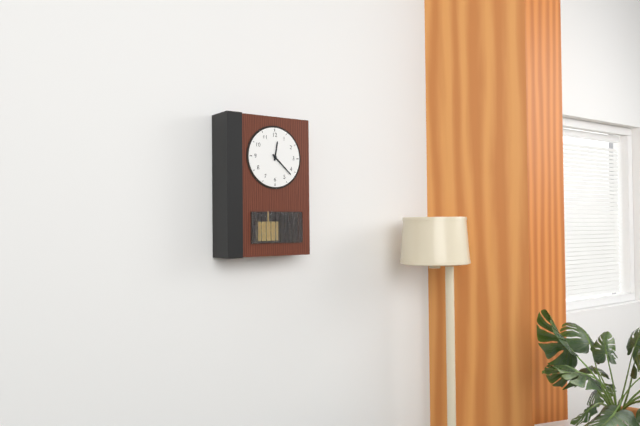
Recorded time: 12:22
